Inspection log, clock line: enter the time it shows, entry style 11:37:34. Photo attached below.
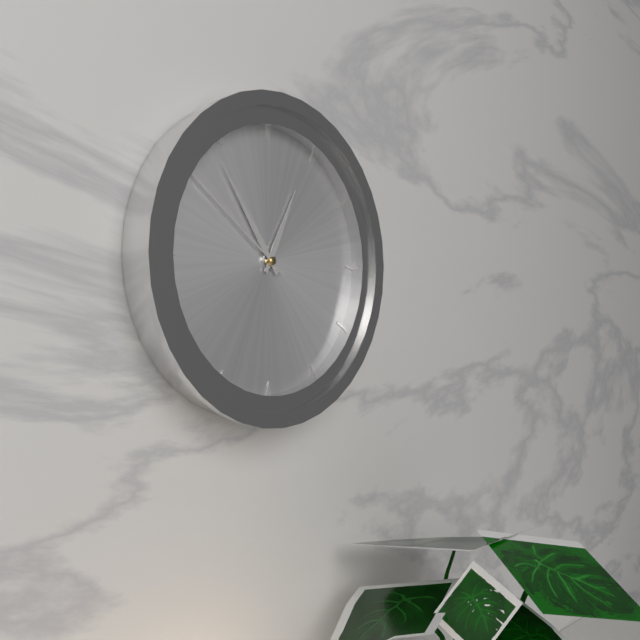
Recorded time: 12:54:51
